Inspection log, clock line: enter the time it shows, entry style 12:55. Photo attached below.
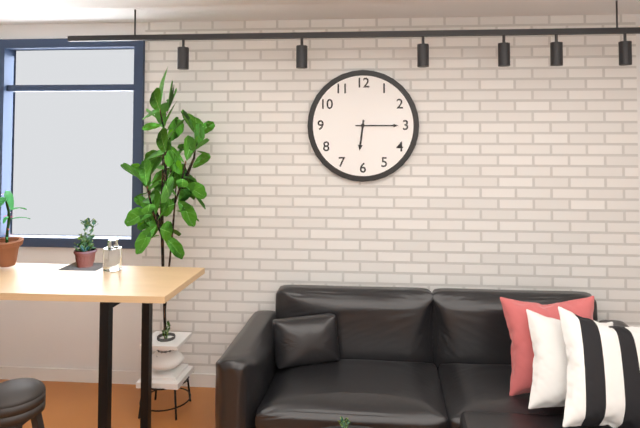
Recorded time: 6:15
